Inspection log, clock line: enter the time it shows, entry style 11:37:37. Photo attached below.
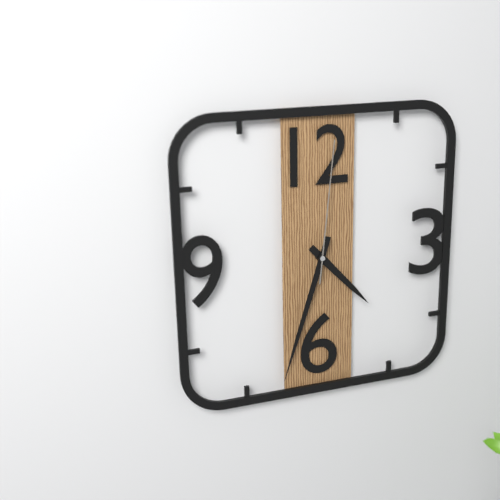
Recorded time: 4:33:01
